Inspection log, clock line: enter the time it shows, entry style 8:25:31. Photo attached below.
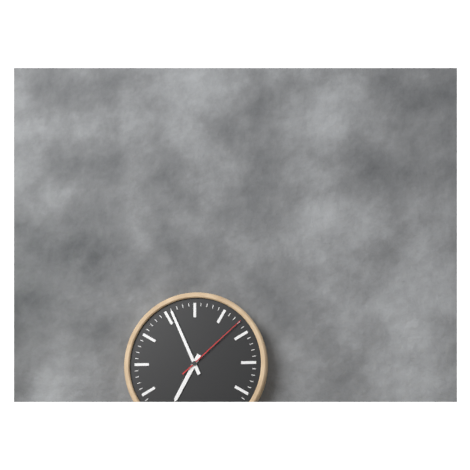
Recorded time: 6:56:08
